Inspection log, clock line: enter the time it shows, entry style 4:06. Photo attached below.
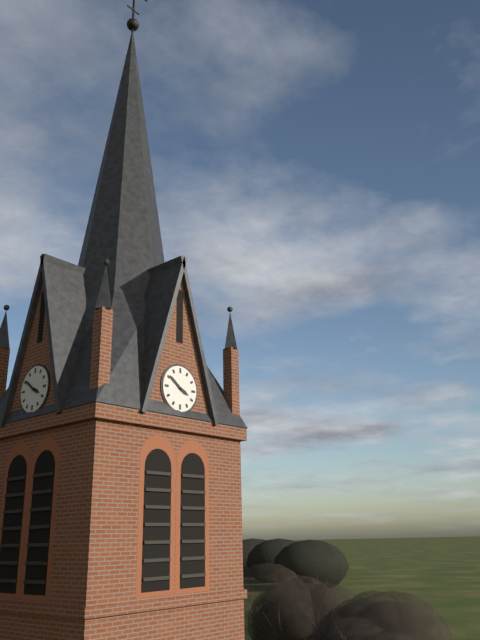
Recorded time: 3:51
